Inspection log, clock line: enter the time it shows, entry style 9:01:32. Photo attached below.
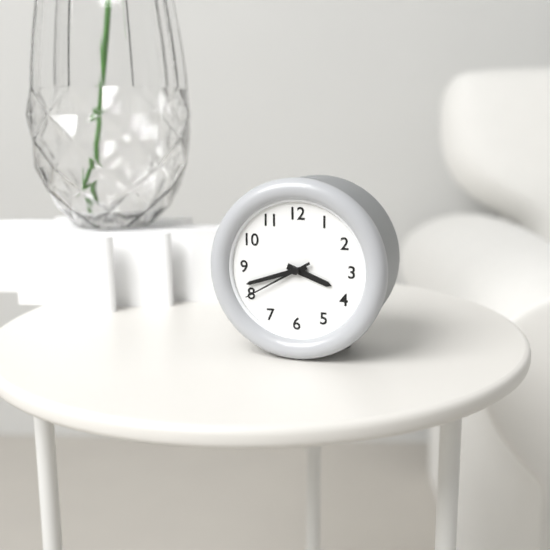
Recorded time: 3:42:40
